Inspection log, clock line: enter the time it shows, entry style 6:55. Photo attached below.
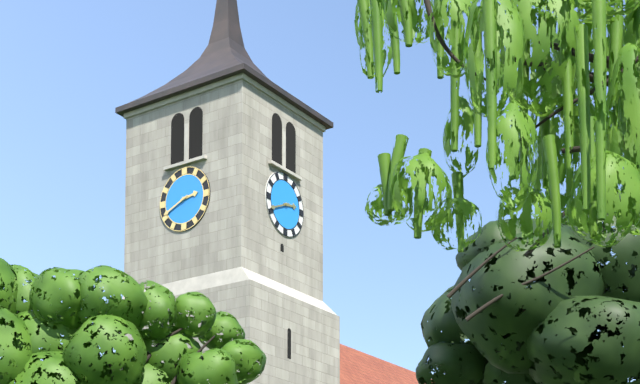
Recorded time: 2:41
